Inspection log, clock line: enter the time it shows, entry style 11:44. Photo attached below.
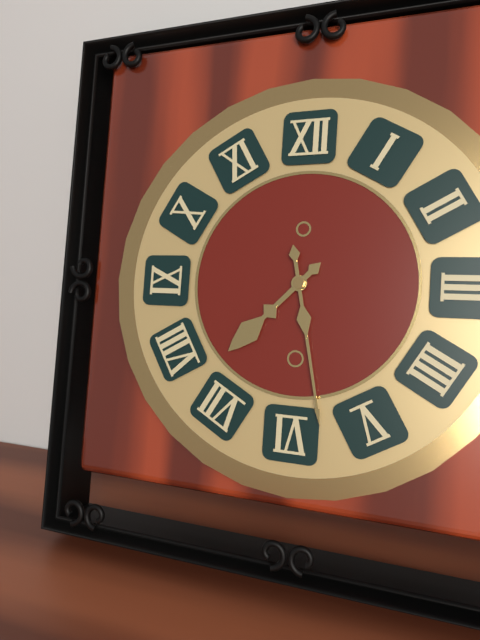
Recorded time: 7:28
